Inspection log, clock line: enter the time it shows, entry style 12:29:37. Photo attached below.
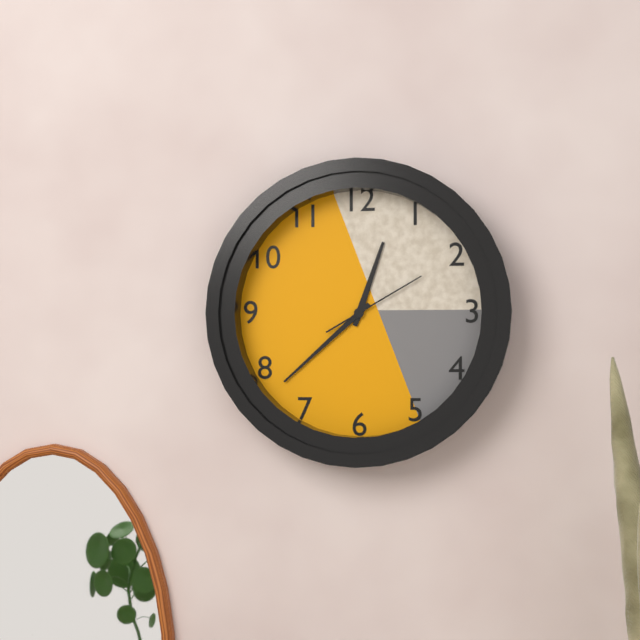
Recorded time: 12:38:10
